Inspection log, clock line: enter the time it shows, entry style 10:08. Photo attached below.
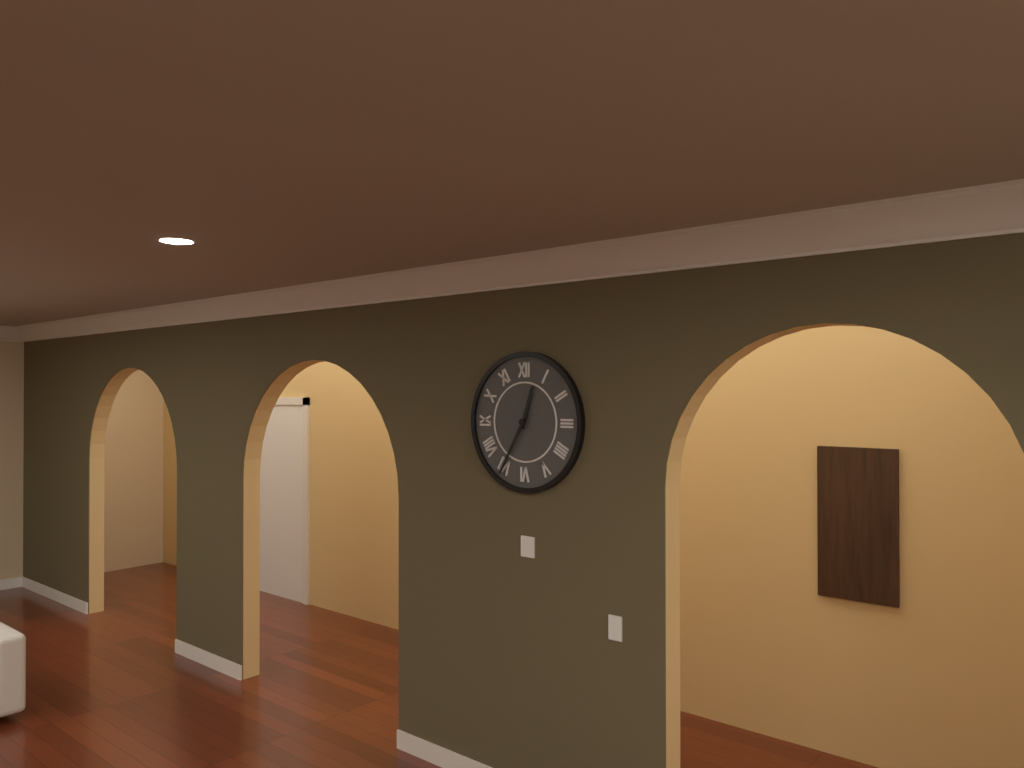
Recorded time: 12:35
